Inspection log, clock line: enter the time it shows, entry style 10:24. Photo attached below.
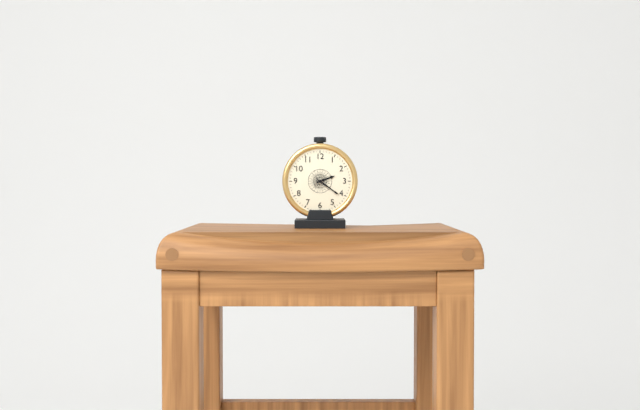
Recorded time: 2:21
